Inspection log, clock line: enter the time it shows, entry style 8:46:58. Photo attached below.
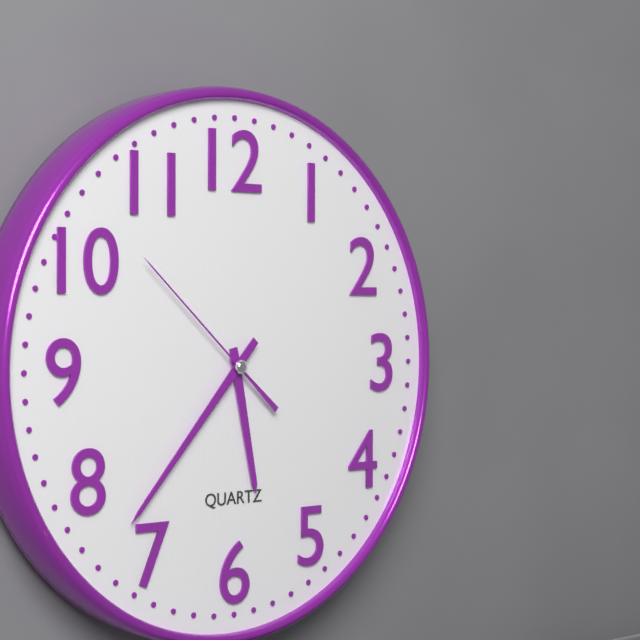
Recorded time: 5:37:52
